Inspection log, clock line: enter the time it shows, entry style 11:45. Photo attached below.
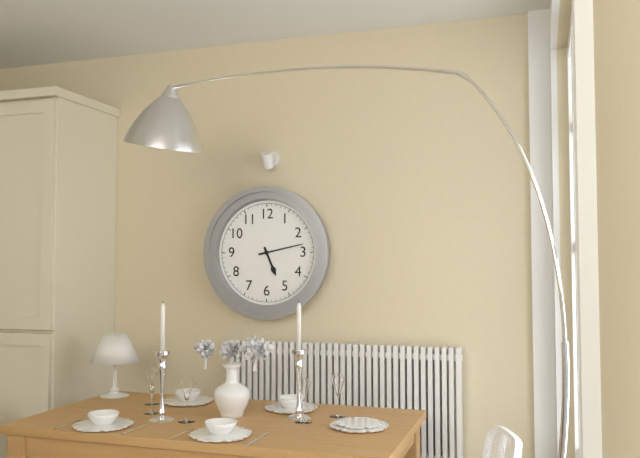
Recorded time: 5:13
